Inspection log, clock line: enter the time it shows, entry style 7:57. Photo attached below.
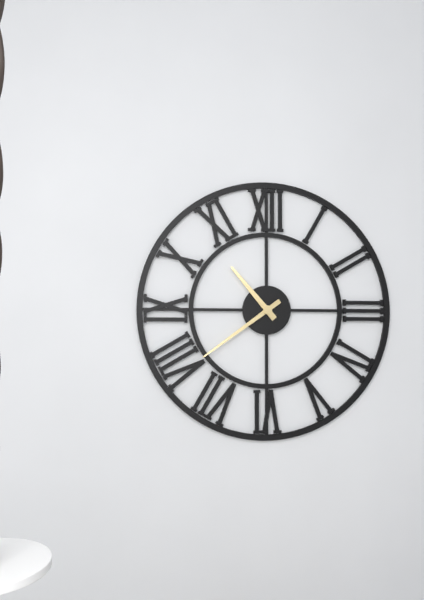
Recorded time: 10:39
